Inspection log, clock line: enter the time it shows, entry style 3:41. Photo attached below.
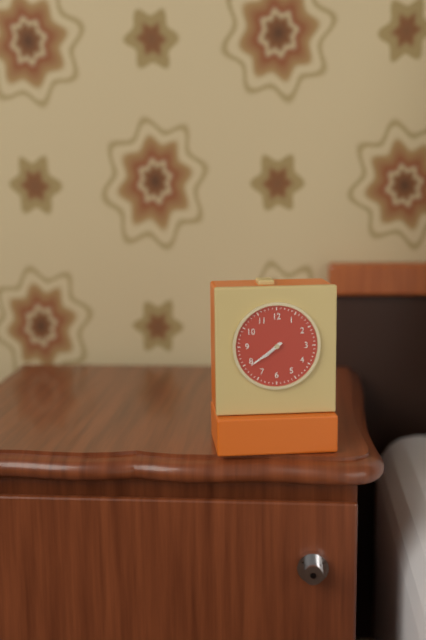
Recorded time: 7:39
